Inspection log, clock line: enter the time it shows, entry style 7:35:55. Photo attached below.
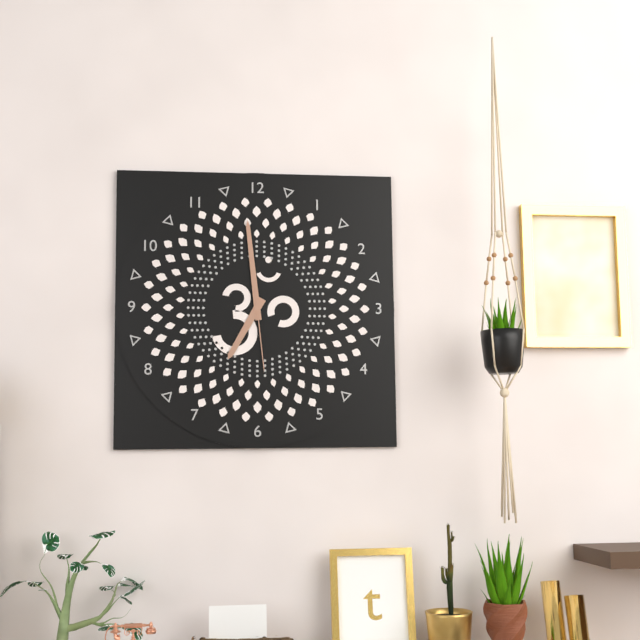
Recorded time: 6:59:29
